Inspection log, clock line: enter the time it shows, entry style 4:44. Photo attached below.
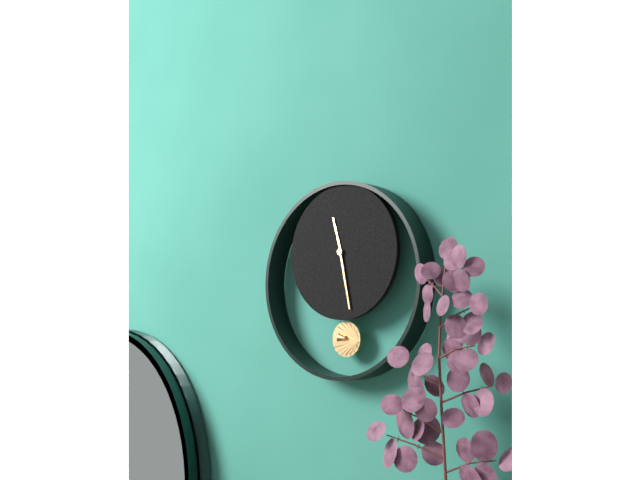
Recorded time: 11:28
